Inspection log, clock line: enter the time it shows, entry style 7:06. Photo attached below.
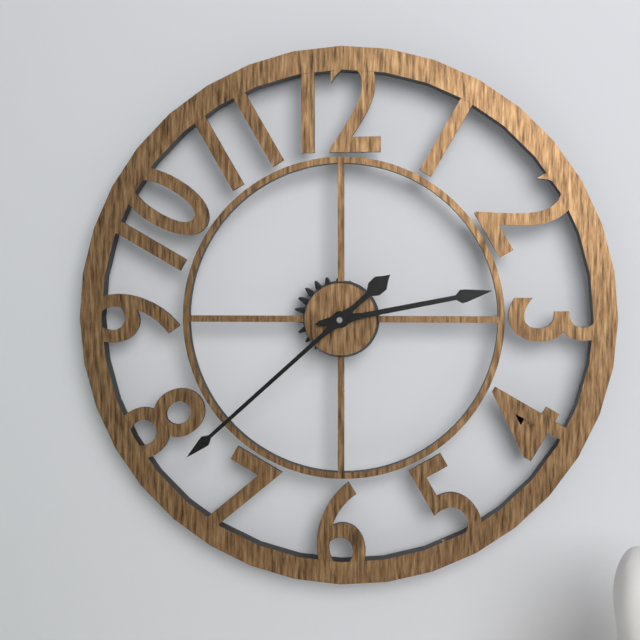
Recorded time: 2:38
